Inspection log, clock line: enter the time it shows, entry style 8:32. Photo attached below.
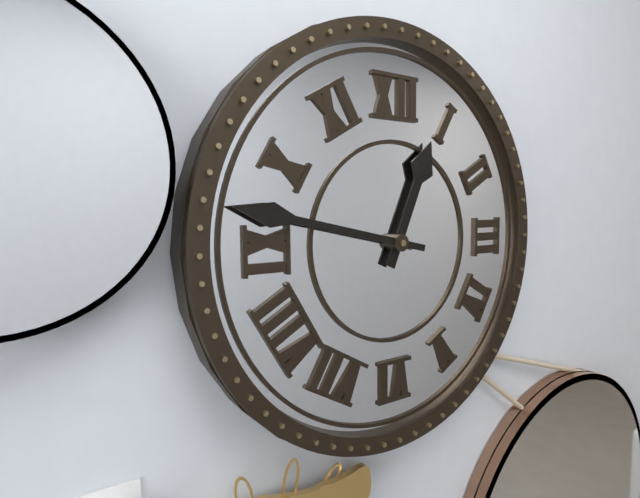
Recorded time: 12:47
